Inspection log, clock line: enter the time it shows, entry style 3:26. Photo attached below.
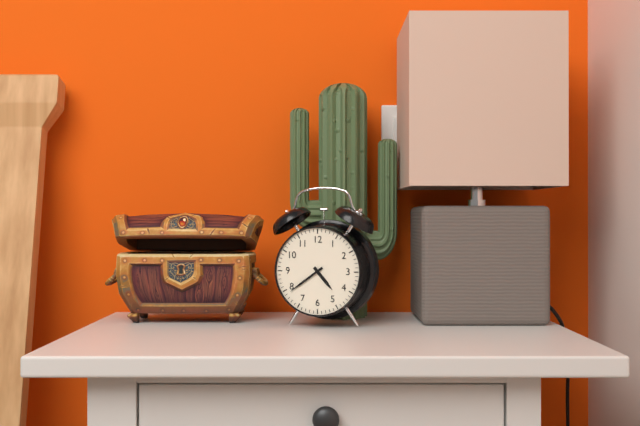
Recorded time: 4:39
